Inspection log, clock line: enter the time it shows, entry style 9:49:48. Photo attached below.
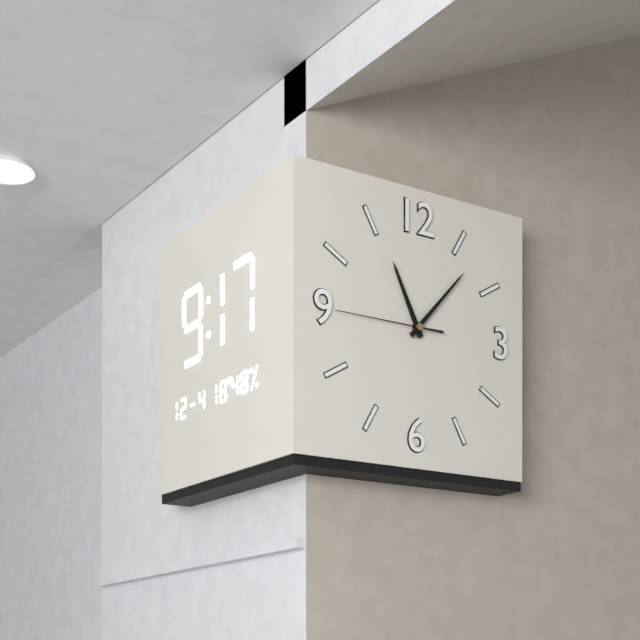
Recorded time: 11:07:45
